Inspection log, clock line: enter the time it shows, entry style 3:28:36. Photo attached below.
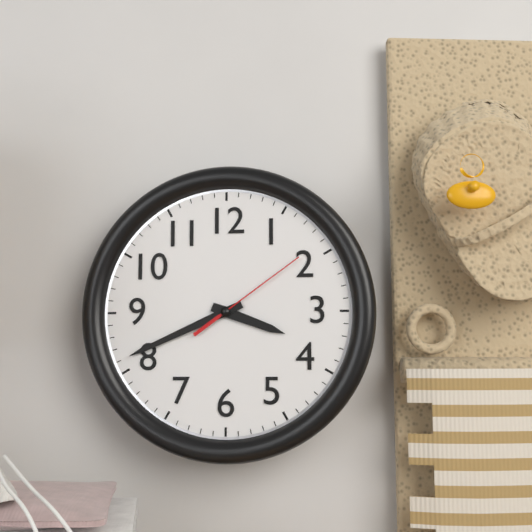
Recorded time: 3:41:09
